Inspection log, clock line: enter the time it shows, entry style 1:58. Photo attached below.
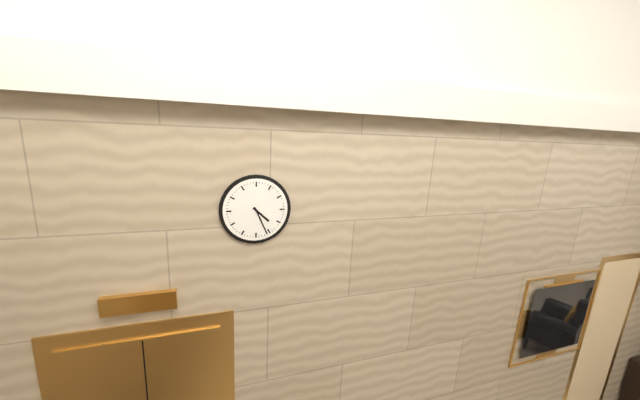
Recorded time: 4:26
